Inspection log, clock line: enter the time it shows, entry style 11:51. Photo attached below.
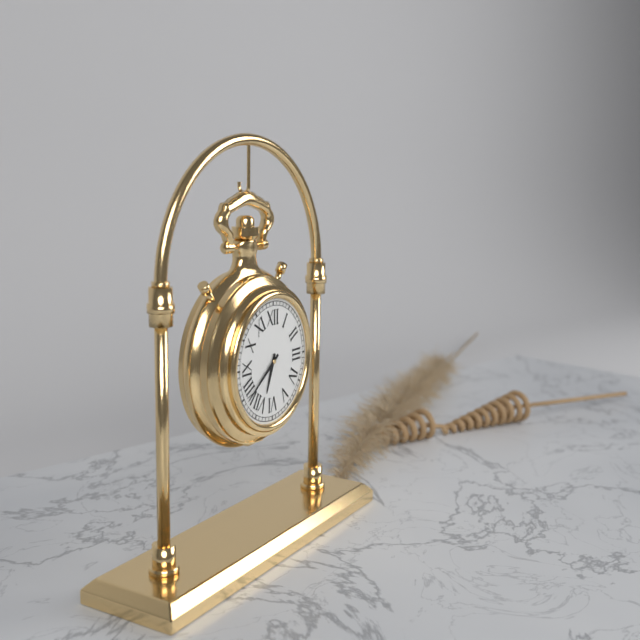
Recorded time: 6:39
